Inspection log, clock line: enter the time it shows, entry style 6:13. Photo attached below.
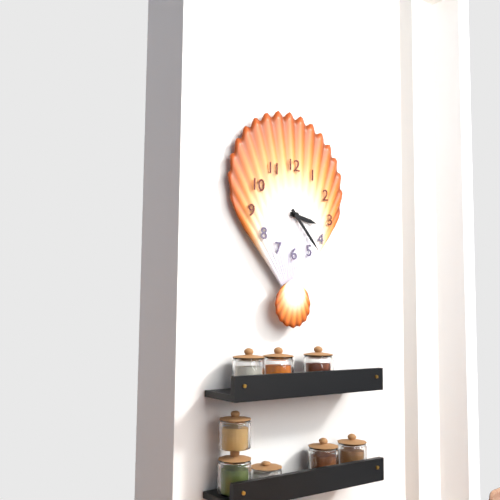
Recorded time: 3:23
